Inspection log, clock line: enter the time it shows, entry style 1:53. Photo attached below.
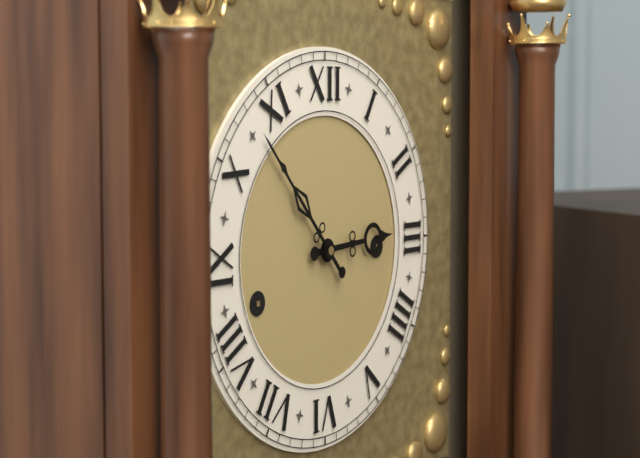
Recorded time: 2:53
